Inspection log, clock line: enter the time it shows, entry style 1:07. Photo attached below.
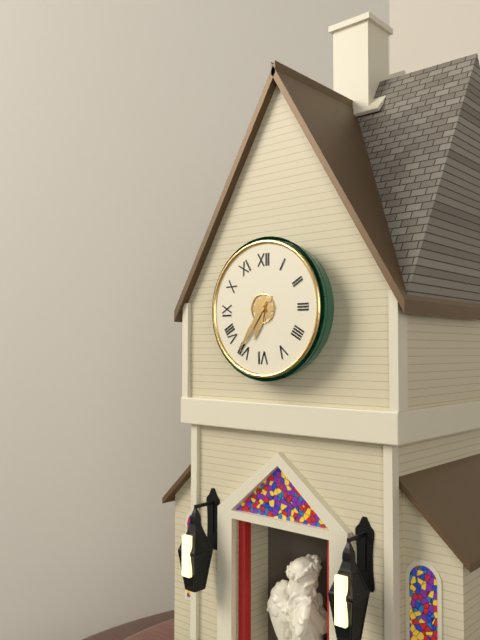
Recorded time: 6:36
